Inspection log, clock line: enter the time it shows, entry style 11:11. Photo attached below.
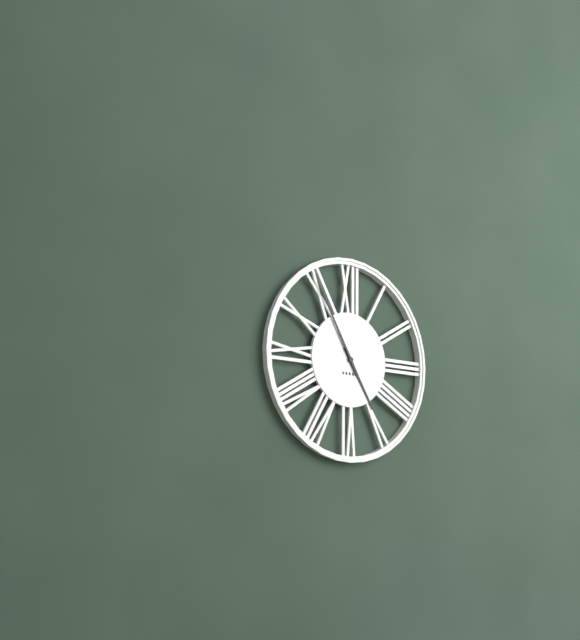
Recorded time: 4:55
